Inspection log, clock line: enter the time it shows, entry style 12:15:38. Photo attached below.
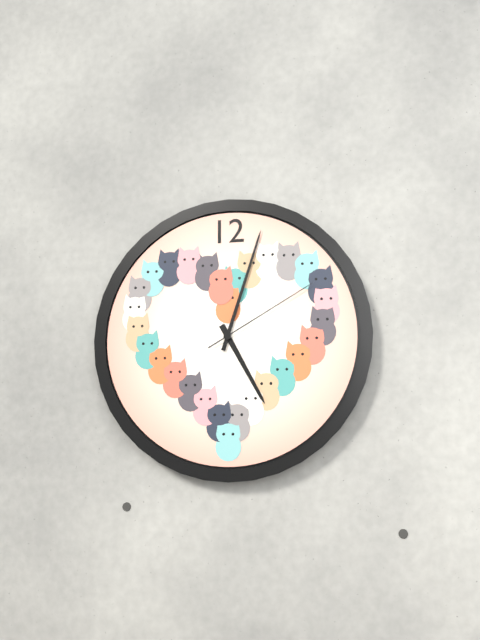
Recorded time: 5:03:10
